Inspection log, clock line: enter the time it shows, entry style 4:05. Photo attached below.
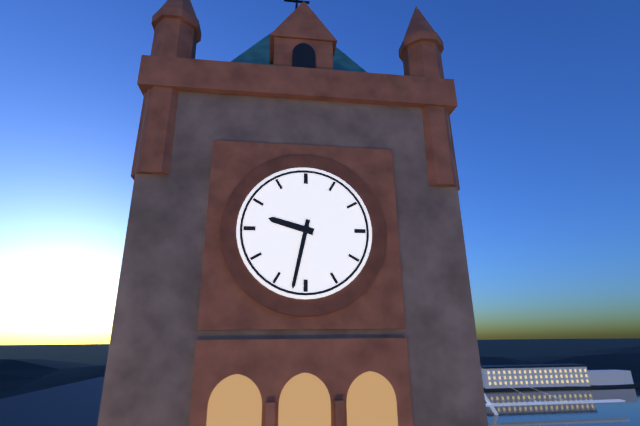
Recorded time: 9:32
